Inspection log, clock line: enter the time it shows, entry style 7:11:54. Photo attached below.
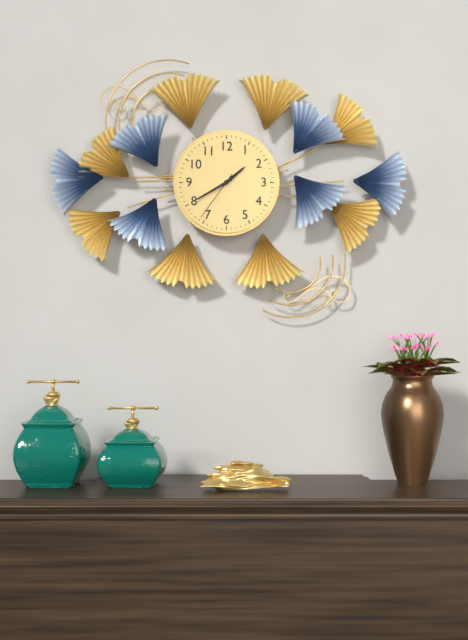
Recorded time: 1:40:36
